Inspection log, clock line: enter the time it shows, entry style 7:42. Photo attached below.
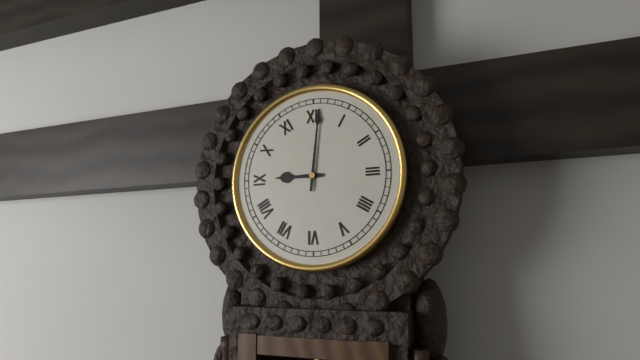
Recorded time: 9:01
